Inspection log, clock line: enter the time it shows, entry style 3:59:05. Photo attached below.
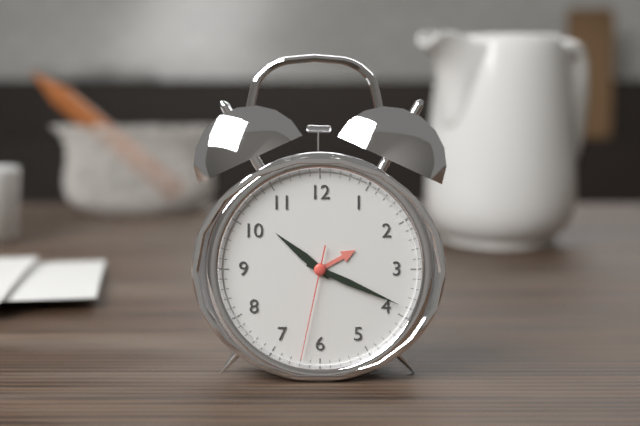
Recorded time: 10:19:32
